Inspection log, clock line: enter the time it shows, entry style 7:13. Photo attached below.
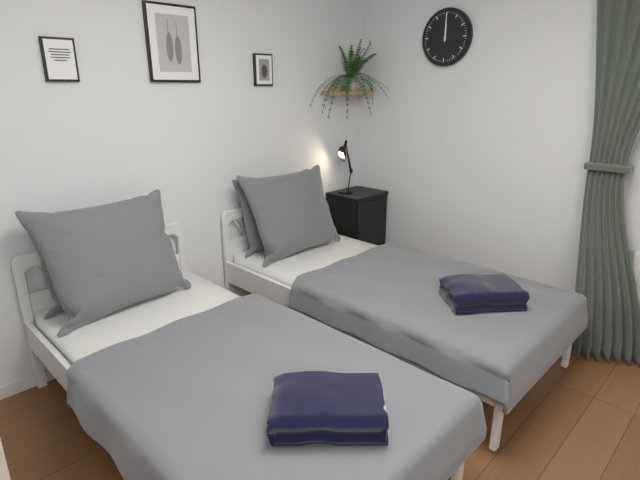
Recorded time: 12:00
